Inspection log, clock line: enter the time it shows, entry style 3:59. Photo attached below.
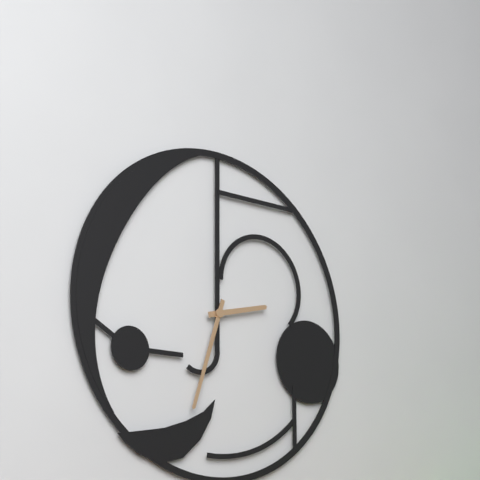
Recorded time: 2:33
